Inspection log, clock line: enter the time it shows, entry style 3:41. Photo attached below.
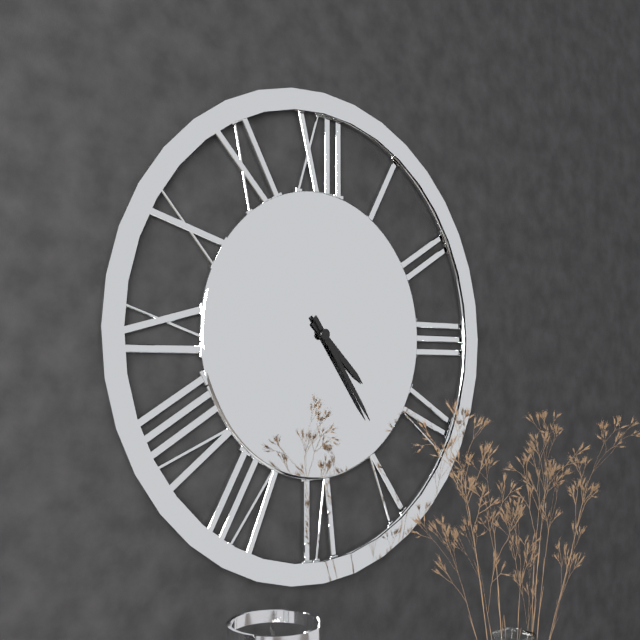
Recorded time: 4:24
